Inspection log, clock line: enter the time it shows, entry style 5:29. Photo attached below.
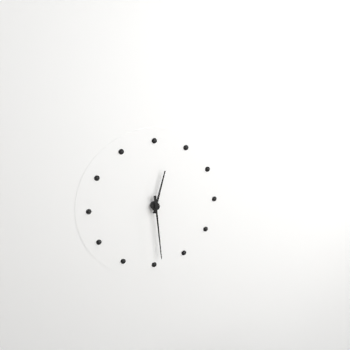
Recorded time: 12:29
